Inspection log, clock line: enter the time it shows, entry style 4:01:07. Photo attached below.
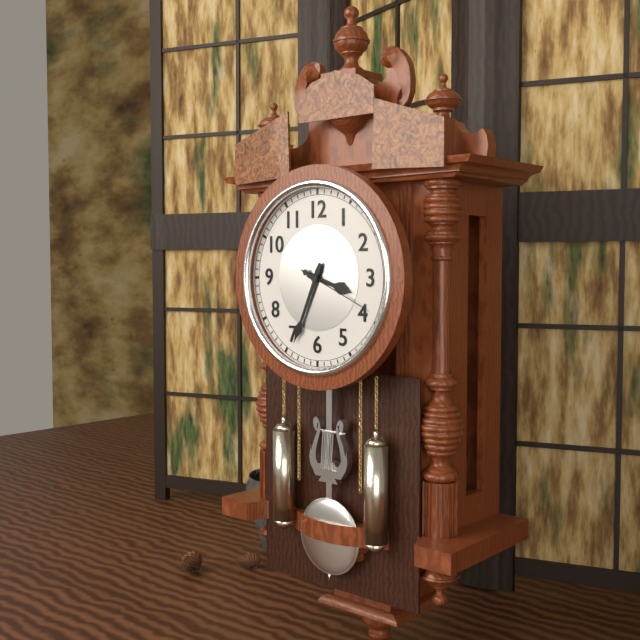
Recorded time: 3:34:19
